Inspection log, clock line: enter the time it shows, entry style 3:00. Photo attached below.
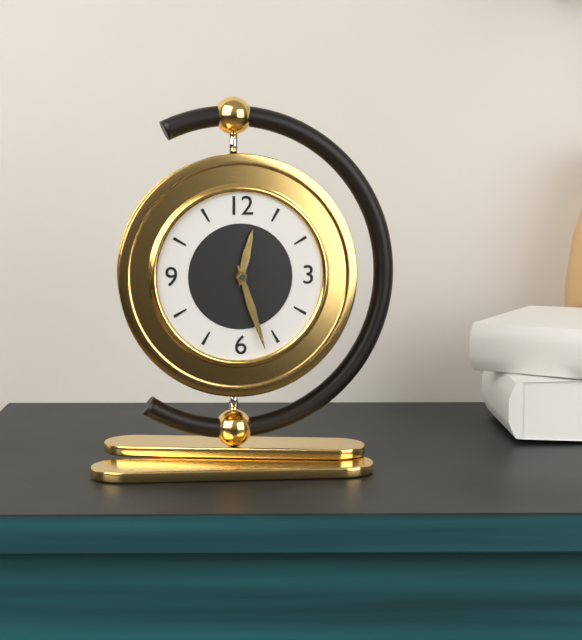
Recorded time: 12:27
